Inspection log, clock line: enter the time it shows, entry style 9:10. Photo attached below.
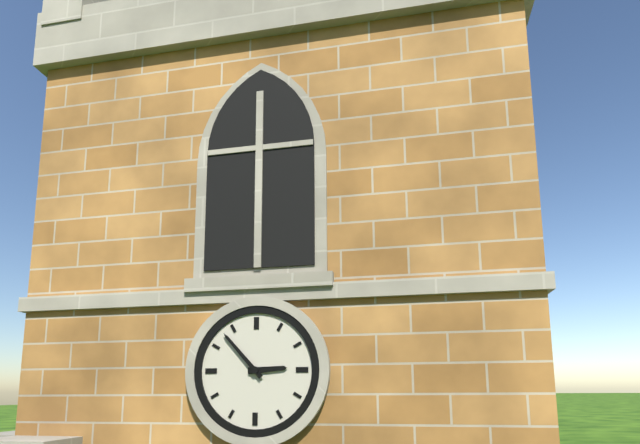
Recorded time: 2:53
